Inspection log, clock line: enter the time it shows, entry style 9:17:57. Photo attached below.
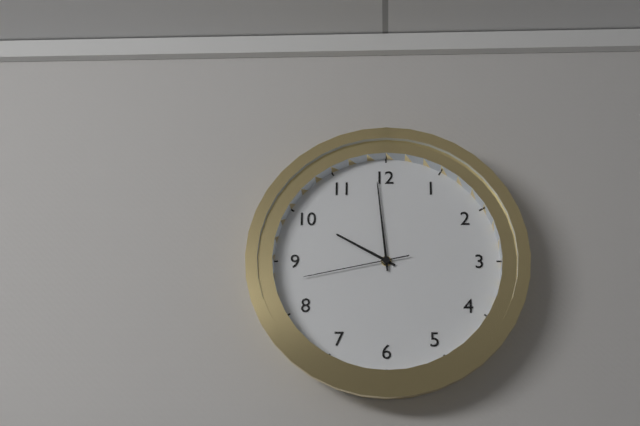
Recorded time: 9:59:43
